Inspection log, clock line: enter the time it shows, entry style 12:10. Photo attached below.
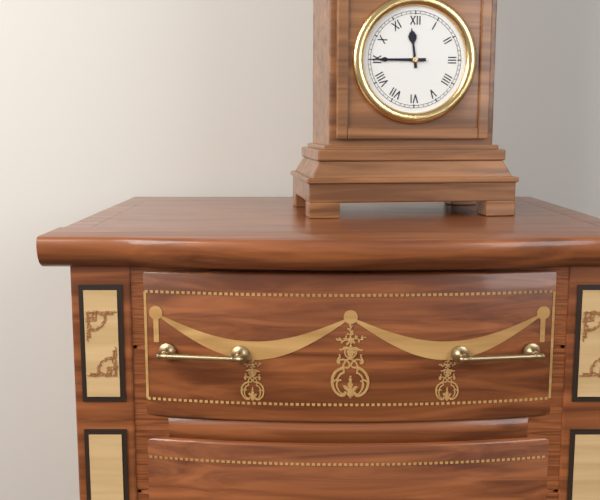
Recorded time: 11:45
